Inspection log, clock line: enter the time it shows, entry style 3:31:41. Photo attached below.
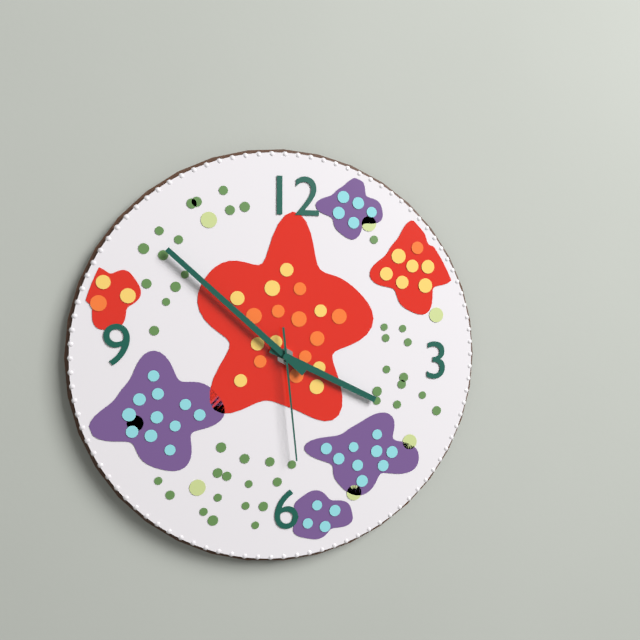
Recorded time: 3:52:29
